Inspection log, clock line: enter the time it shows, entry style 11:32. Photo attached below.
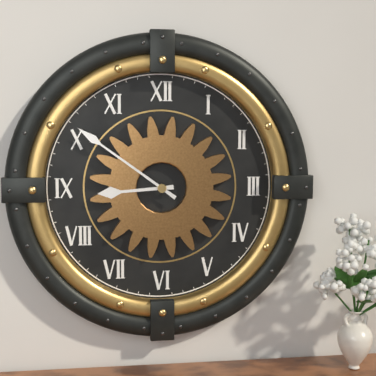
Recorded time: 8:51
